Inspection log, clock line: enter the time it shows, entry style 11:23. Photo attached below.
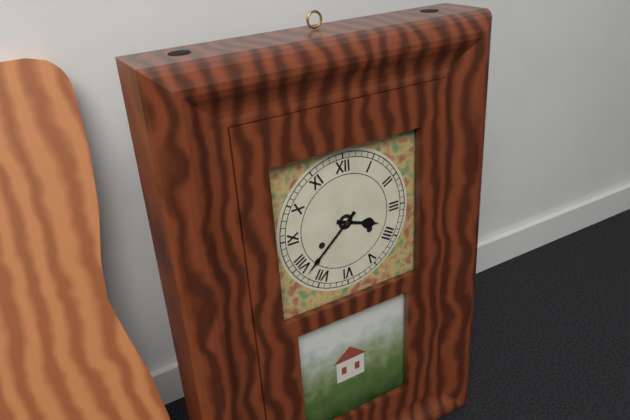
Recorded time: 3:38
